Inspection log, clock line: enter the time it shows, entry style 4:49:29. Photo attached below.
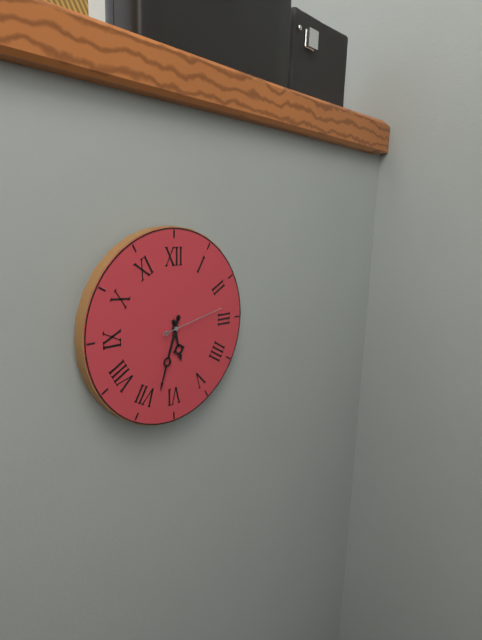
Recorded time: 5:33:13
